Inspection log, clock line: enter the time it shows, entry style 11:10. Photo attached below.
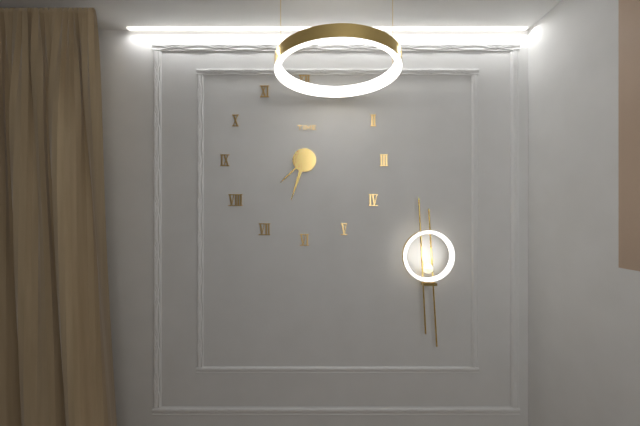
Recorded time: 7:33
